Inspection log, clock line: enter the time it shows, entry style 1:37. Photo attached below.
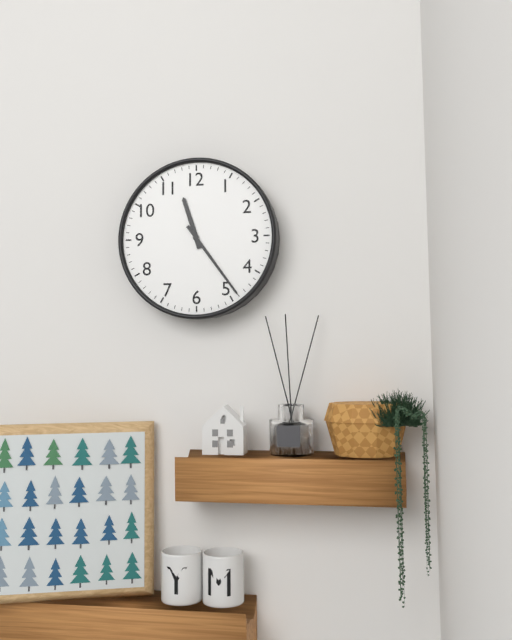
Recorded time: 11:24
